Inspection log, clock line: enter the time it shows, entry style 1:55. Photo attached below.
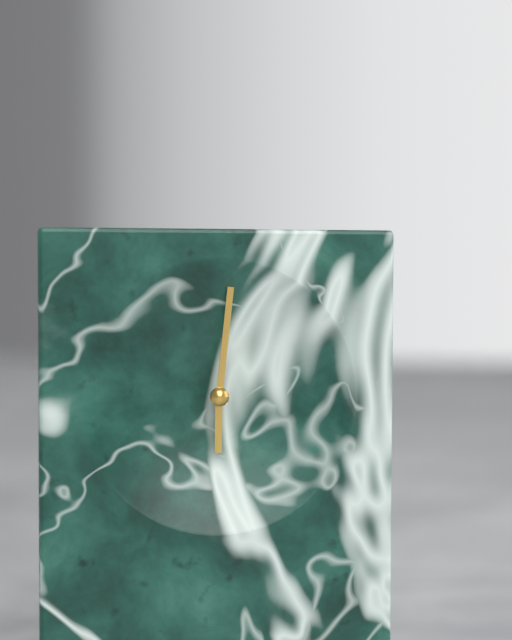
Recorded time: 6:01
